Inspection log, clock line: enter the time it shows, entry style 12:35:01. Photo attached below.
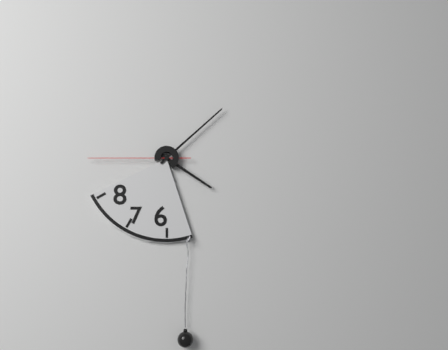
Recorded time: 4:08:45
